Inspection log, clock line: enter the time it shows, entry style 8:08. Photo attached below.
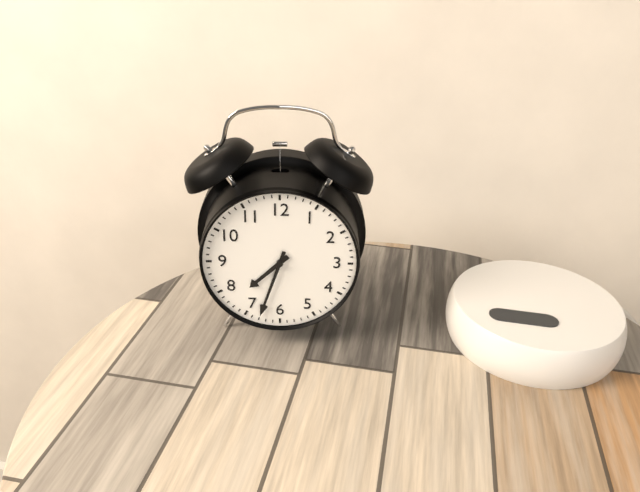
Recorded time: 7:33
